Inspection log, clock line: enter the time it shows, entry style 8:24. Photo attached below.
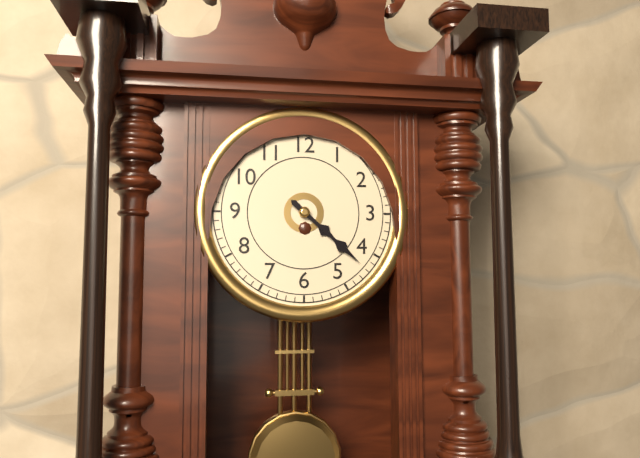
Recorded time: 4:22
